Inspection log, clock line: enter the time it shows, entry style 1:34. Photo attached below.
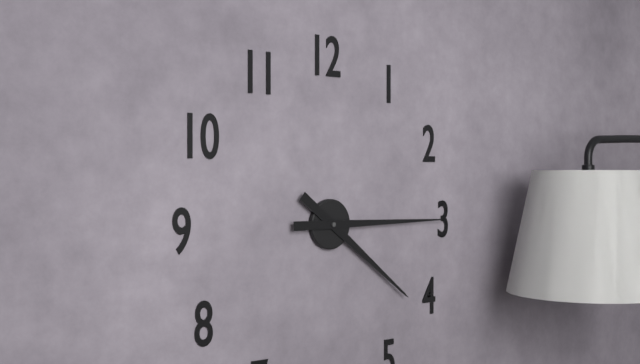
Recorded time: 4:15
